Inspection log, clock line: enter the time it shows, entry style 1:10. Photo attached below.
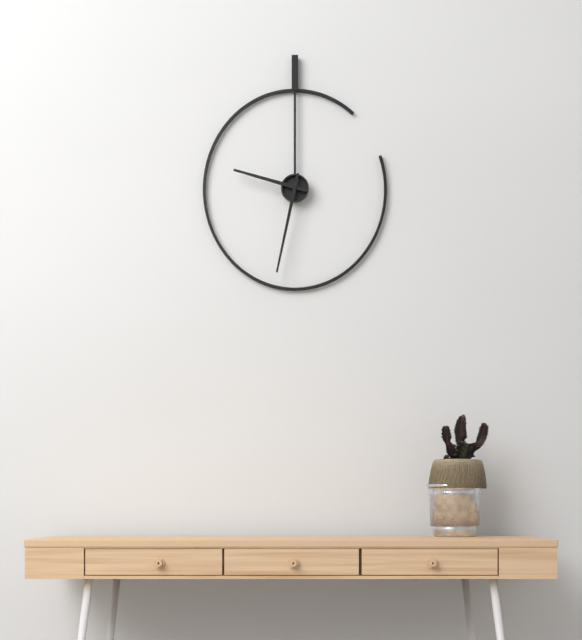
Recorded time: 9:32
